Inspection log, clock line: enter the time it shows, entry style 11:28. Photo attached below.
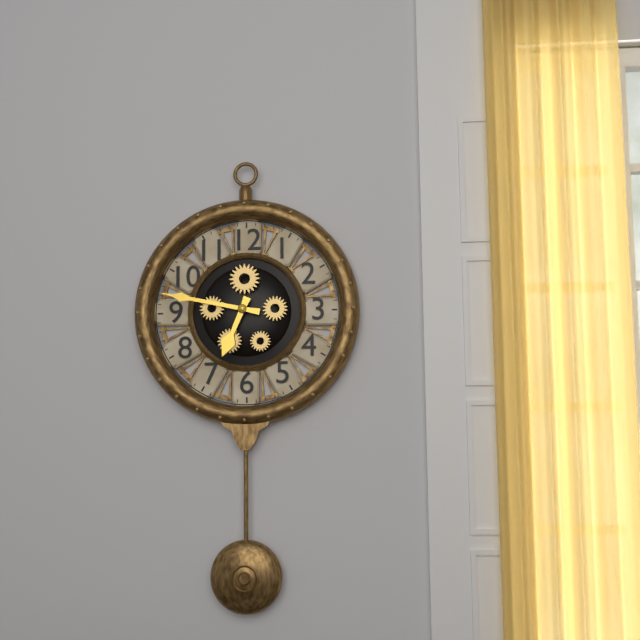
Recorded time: 6:47
